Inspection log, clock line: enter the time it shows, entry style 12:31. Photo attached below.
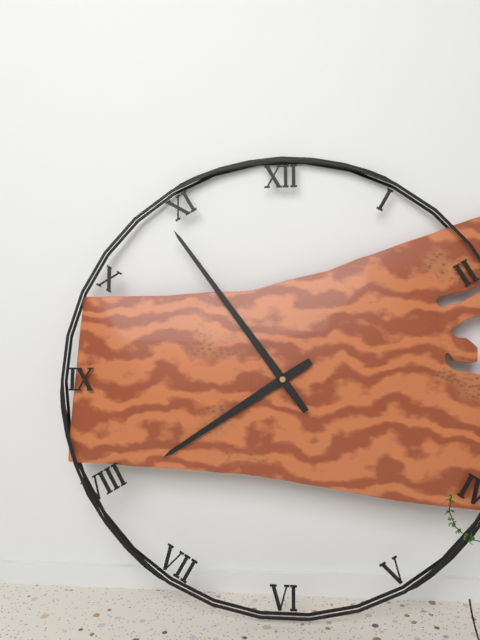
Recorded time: 7:54
